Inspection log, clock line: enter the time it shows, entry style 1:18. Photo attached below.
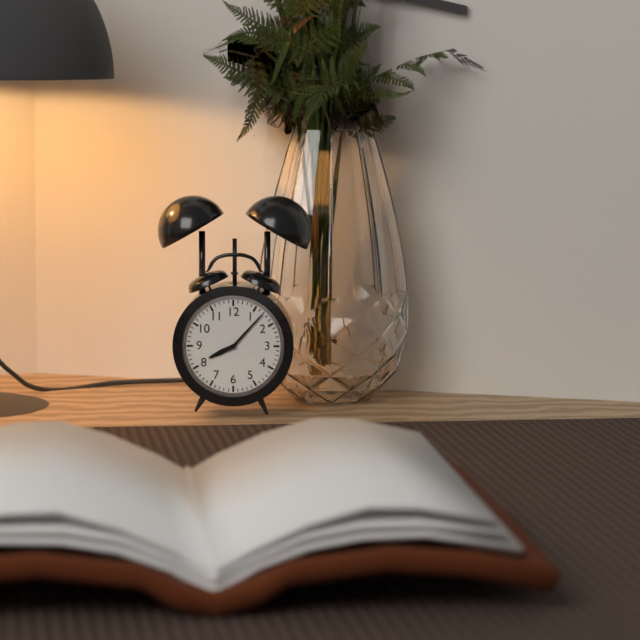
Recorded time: 8:07
